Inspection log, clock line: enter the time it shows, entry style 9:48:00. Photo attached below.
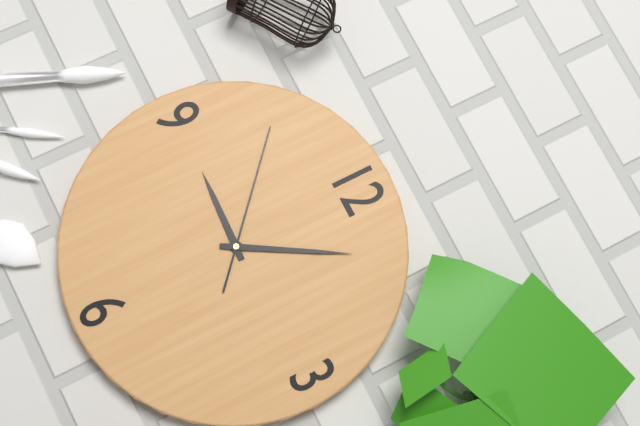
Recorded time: 9:05:52
